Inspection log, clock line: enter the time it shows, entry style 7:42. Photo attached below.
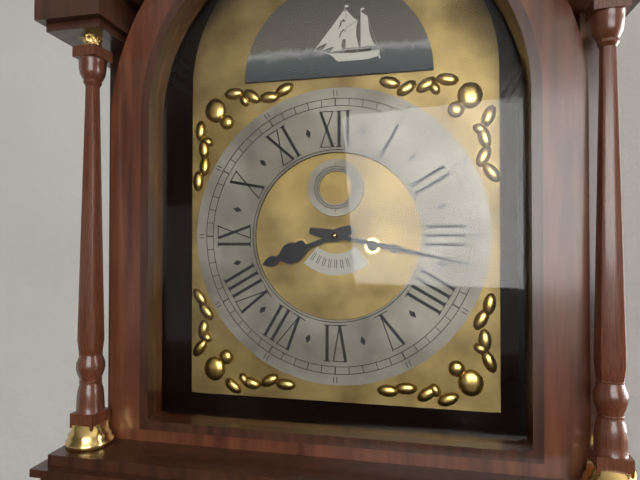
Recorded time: 8:17
